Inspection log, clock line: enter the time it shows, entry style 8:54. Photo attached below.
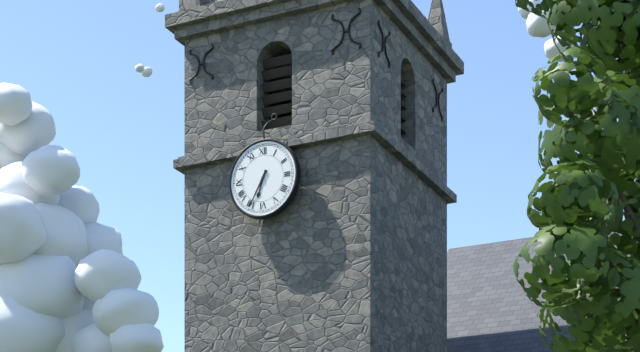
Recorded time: 6:35
